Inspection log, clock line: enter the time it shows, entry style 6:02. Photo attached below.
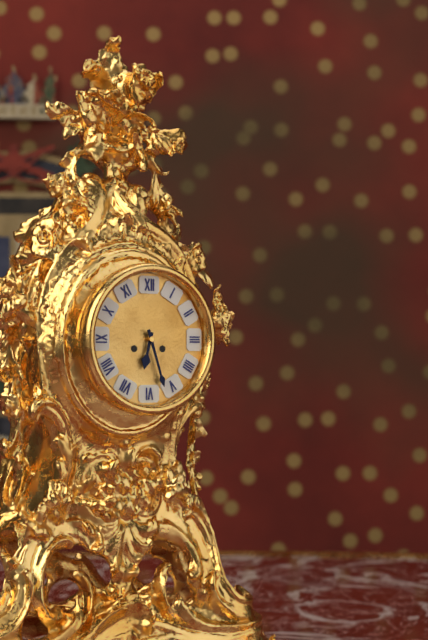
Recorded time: 6:27
